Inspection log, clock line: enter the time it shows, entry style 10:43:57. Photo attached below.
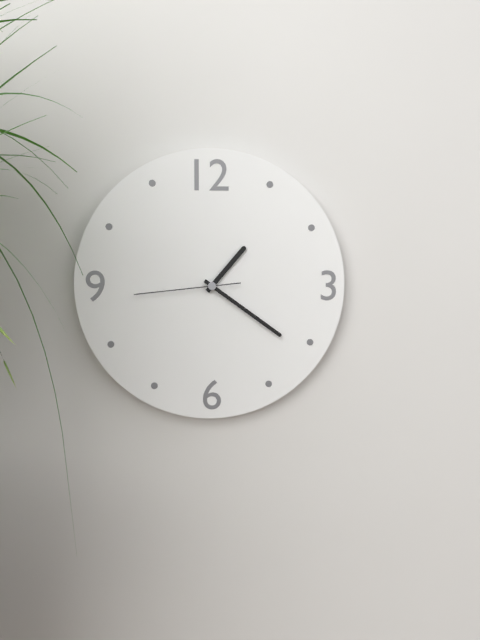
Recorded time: 1:21:44
